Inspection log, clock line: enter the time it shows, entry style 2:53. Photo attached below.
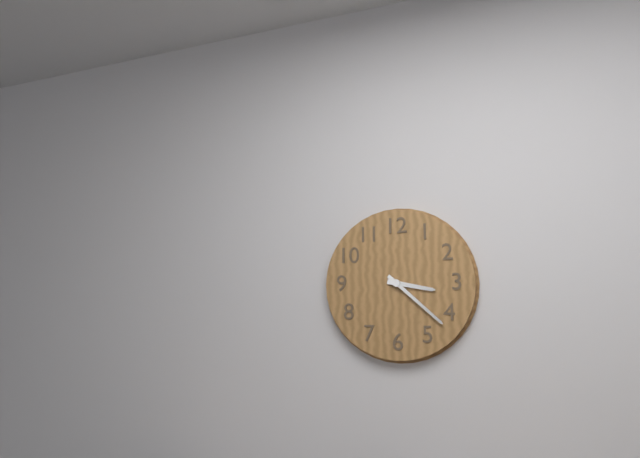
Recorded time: 3:22
